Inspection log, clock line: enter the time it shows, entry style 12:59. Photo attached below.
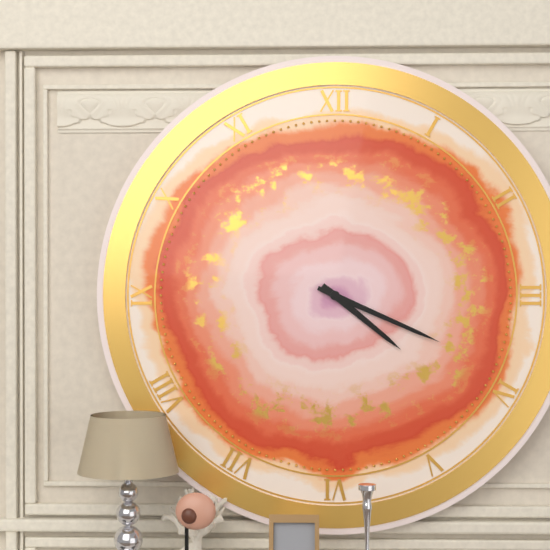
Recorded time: 4:19
